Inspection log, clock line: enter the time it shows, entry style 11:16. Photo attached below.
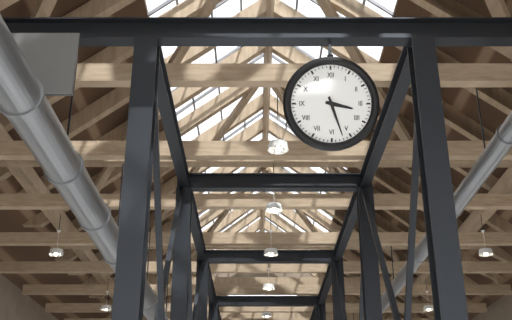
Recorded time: 3:27
